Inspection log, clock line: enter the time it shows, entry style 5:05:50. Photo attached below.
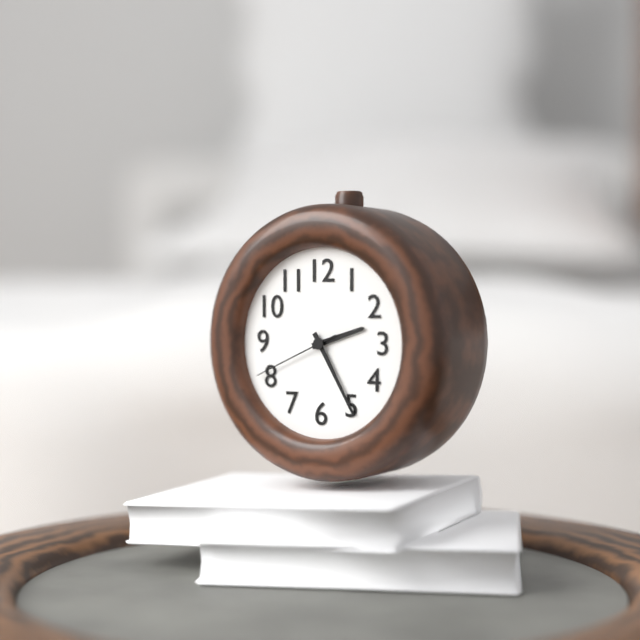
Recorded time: 2:25:41
